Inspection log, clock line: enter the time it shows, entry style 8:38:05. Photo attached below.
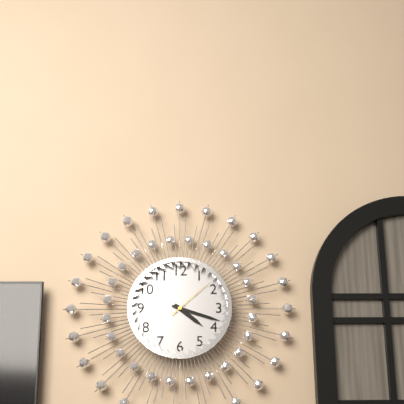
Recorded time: 4:18:08
